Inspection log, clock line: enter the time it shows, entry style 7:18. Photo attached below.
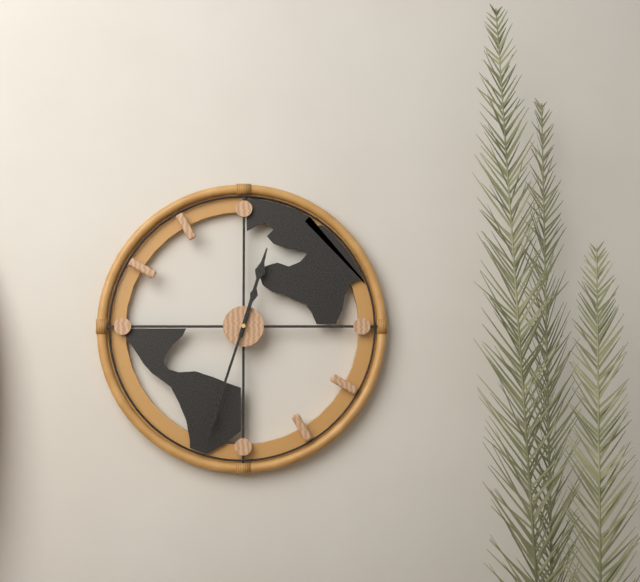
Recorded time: 12:33
